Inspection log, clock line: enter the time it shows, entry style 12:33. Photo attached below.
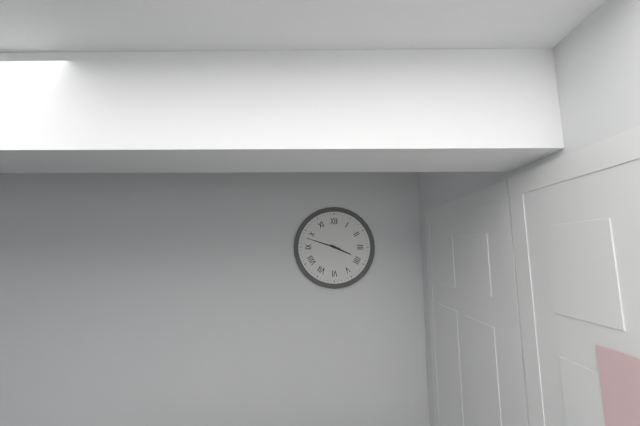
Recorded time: 3:48
